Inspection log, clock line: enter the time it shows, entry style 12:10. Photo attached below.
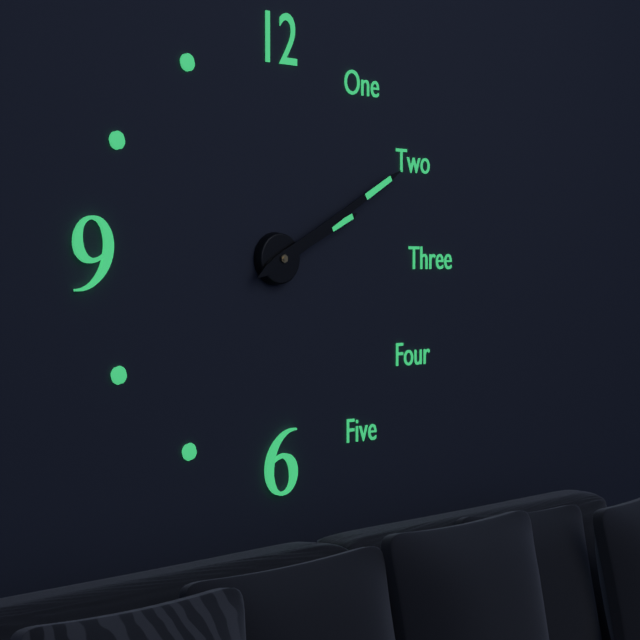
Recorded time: 2:10
